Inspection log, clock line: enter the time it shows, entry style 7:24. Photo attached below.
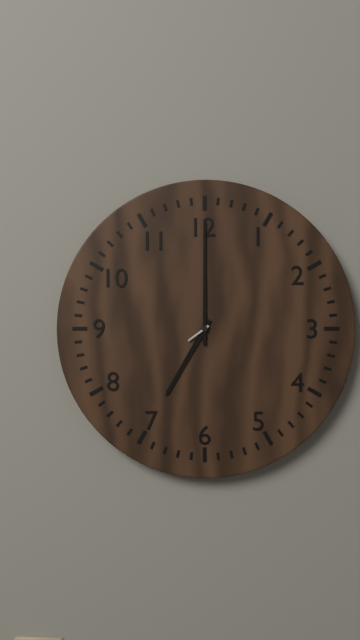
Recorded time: 7:00
